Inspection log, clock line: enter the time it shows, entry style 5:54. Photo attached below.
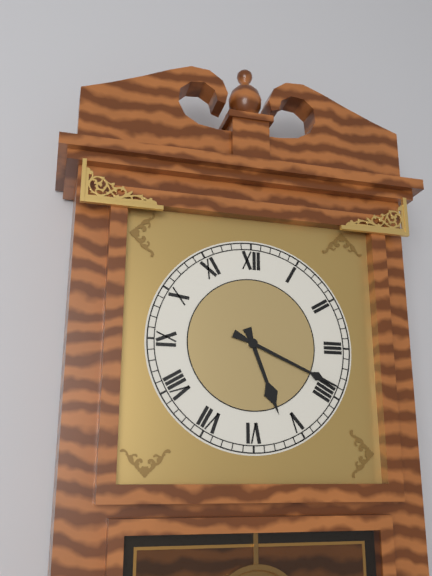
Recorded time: 5:19
